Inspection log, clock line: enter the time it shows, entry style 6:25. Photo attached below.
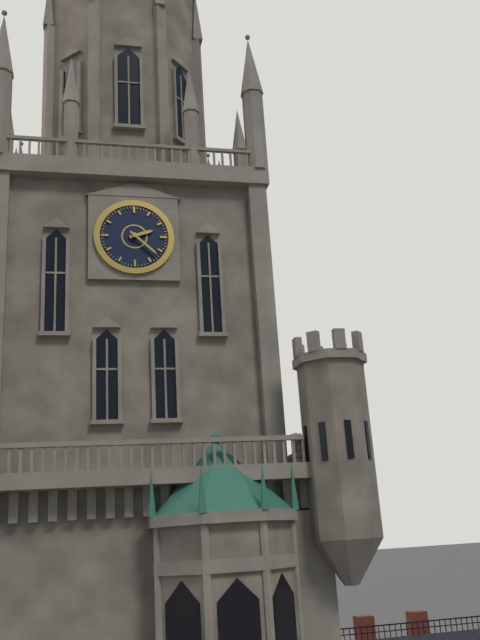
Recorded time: 2:22
